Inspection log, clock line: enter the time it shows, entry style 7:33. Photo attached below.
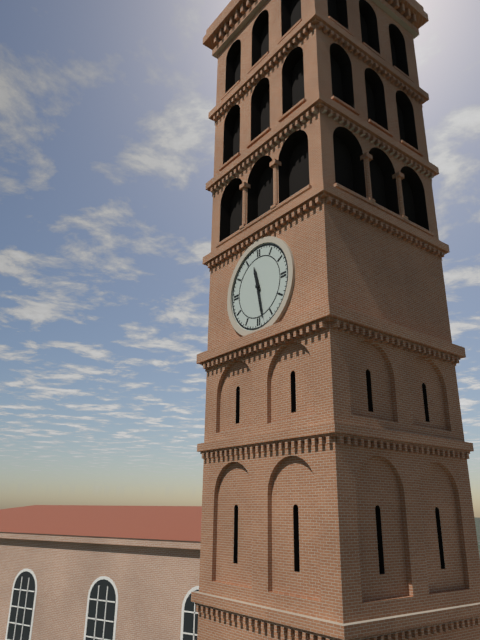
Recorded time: 11:28
